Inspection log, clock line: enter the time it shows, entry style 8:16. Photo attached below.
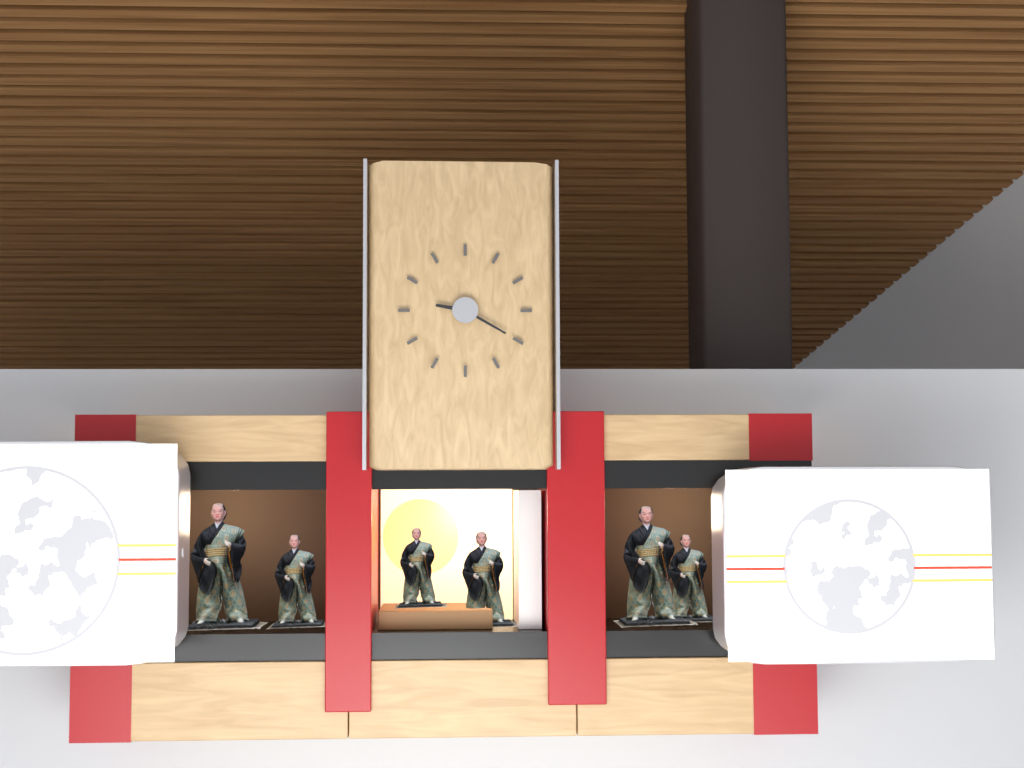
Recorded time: 9:20
